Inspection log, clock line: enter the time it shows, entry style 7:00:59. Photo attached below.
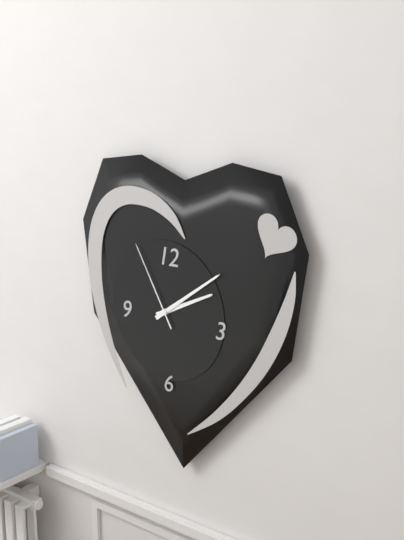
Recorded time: 2:09:55
